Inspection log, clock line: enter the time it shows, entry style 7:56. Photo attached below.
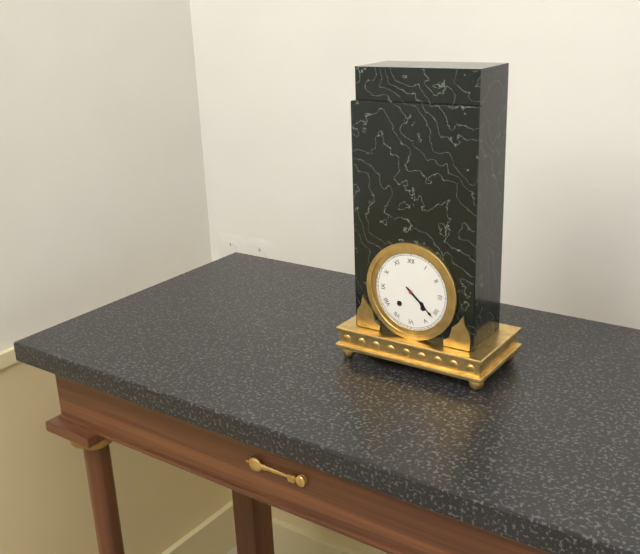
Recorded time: 4:22
